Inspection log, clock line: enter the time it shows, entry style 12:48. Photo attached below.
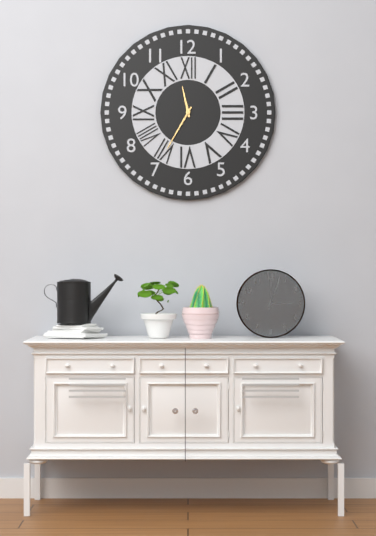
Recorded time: 11:35
